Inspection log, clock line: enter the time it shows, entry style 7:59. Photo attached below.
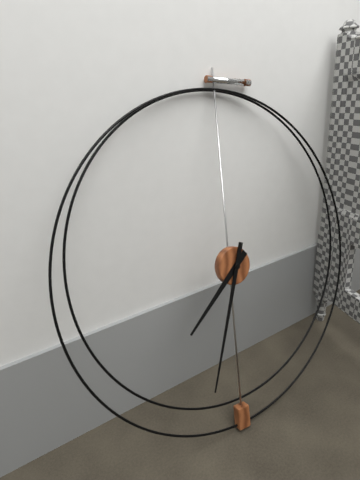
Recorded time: 7:33
